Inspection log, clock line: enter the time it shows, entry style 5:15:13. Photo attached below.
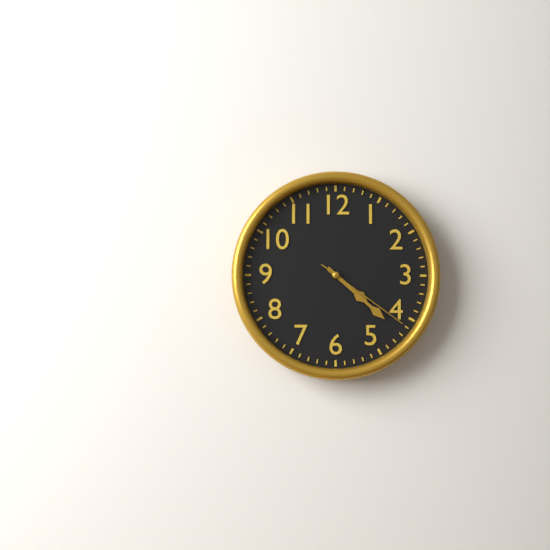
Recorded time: 4:22:21
